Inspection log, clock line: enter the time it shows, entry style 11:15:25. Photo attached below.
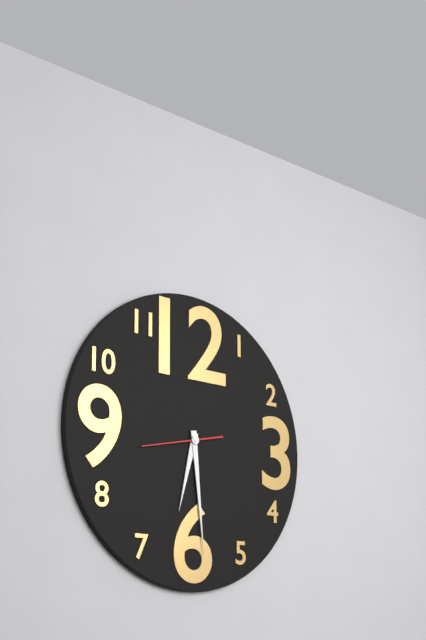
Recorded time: 6:29:43
